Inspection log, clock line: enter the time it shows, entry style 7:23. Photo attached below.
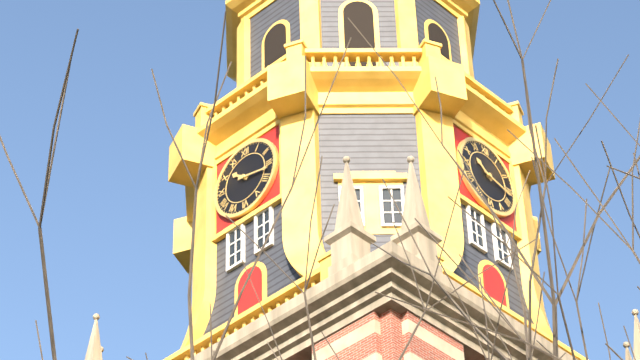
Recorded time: 10:17
